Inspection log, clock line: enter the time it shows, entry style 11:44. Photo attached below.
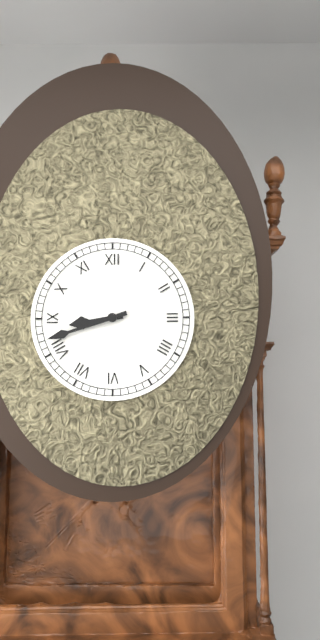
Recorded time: 8:42
